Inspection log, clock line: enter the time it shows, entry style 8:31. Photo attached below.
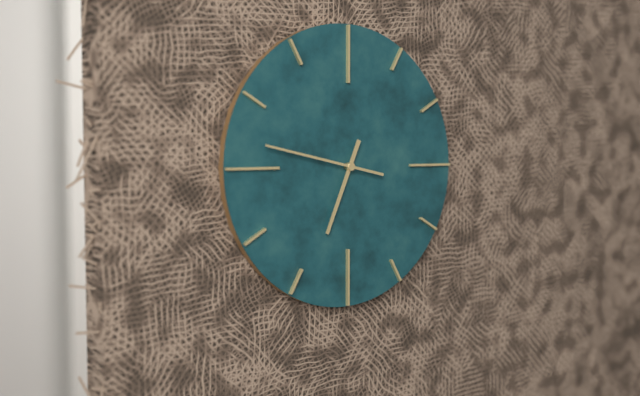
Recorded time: 6:47
